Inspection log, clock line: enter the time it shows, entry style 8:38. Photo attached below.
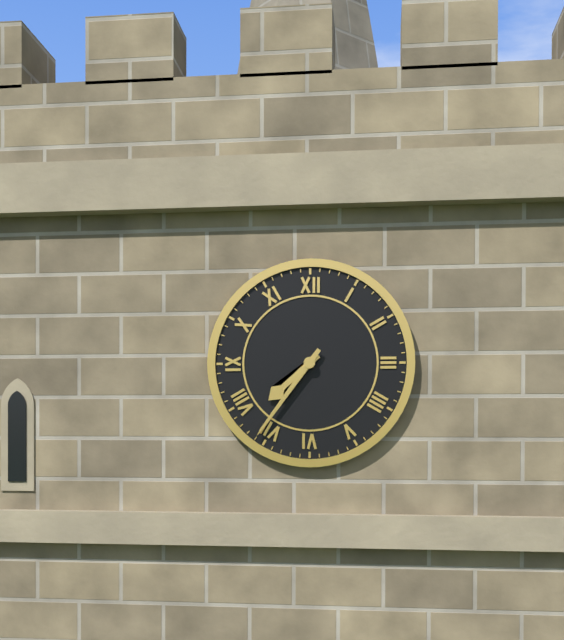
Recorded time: 7:36
